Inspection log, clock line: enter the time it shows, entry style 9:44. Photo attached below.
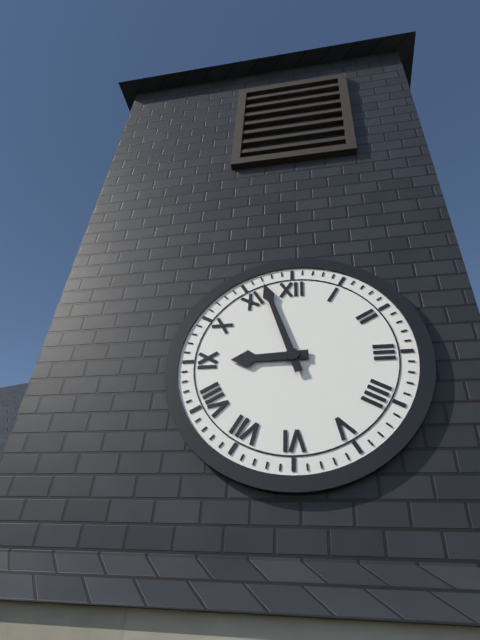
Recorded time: 8:57
